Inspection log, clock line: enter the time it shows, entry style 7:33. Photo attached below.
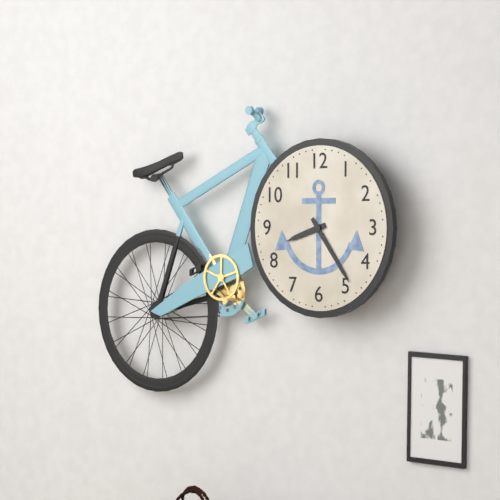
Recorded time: 8:24
